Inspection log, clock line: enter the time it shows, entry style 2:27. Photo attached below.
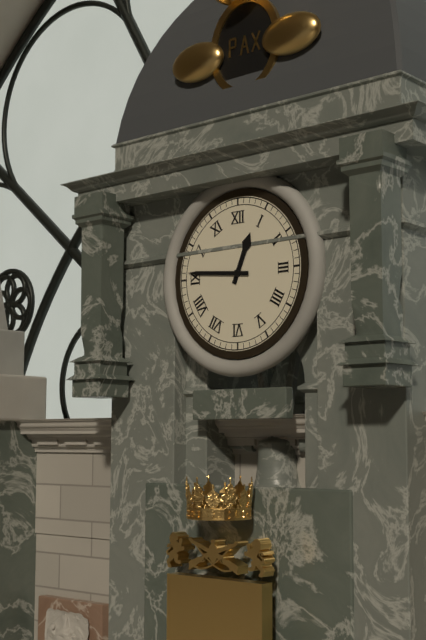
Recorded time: 12:46
